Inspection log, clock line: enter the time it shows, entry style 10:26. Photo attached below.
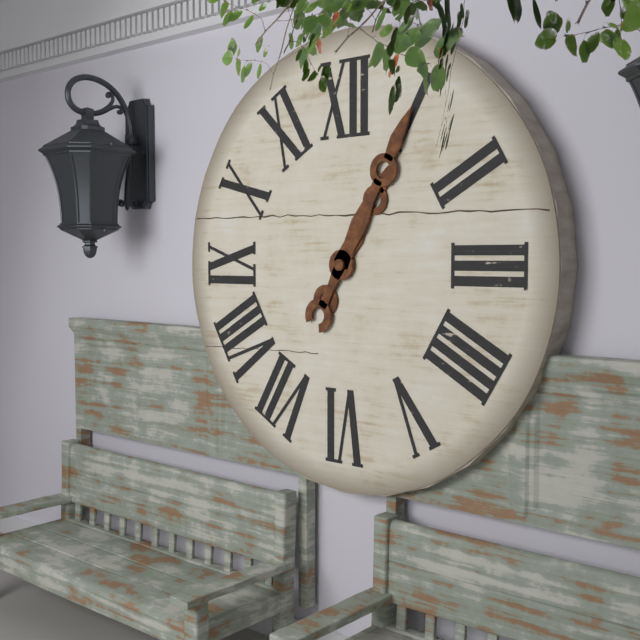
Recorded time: 1:05
